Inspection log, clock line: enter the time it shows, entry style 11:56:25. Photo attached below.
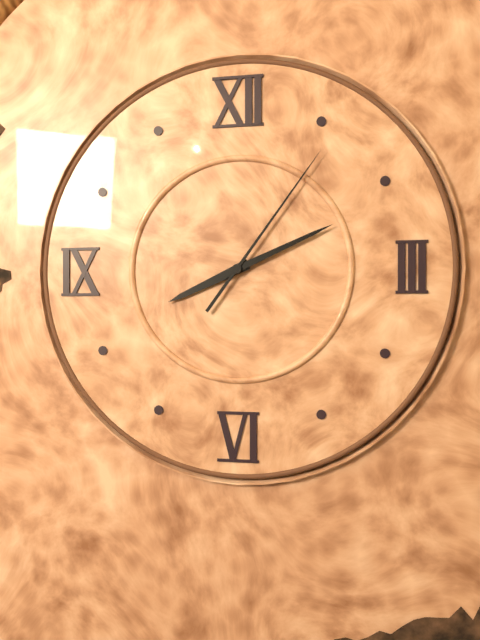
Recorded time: 8:11:06
